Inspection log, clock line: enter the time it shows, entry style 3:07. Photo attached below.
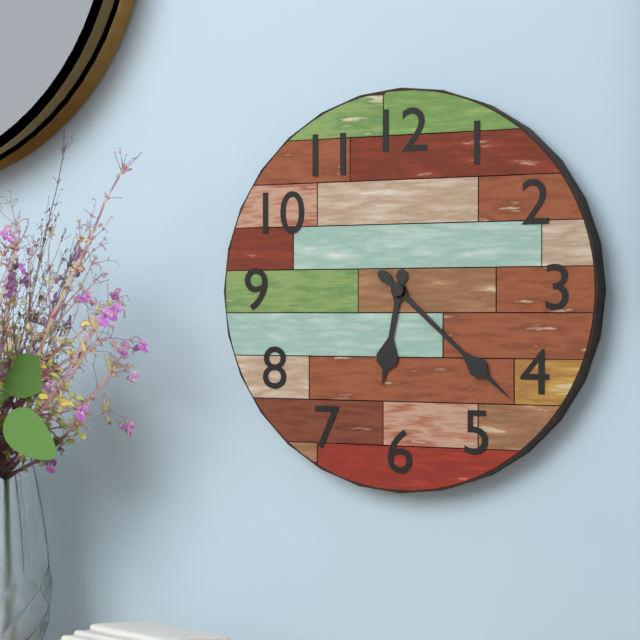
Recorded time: 6:22
